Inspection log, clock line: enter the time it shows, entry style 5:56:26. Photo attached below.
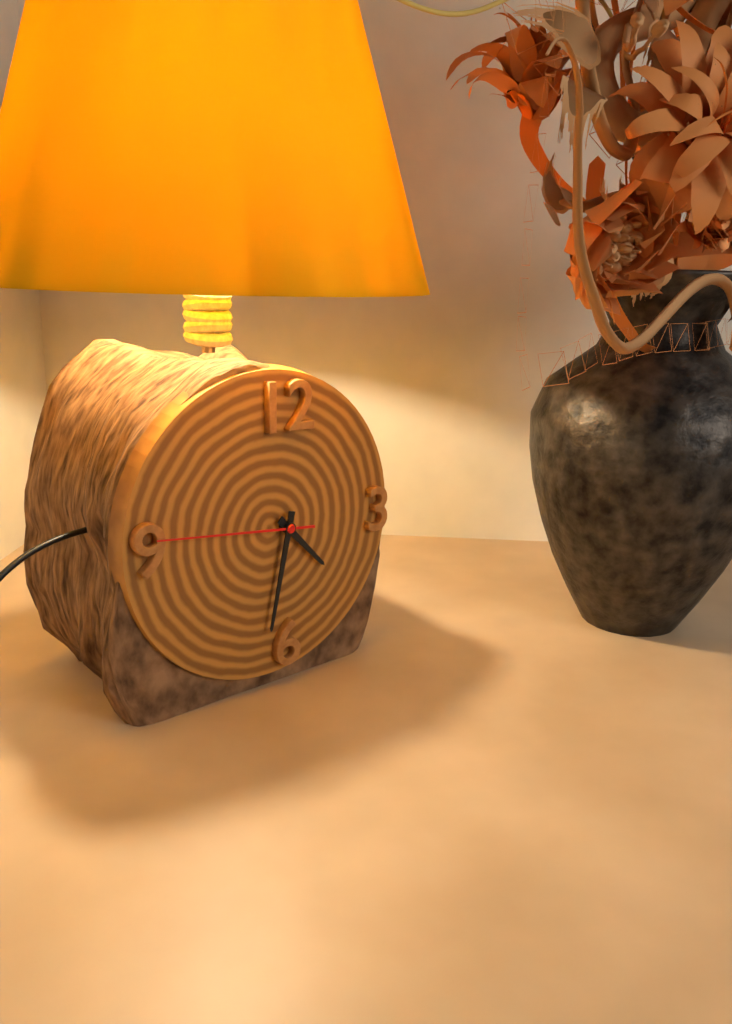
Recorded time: 4:32:46
